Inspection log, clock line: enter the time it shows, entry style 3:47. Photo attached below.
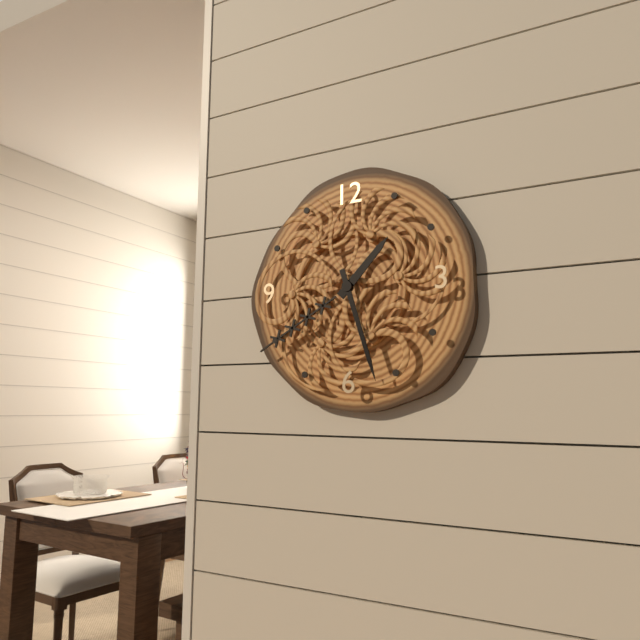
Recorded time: 1:27
